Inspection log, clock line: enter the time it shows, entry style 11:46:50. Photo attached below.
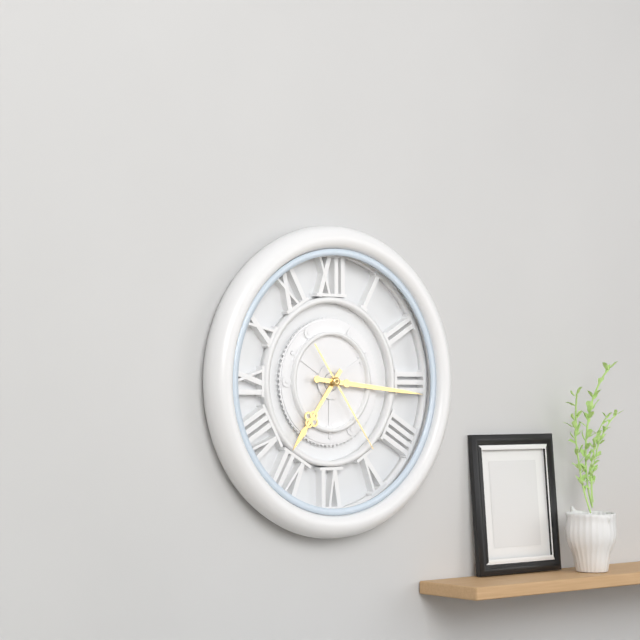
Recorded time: 7:16:24
